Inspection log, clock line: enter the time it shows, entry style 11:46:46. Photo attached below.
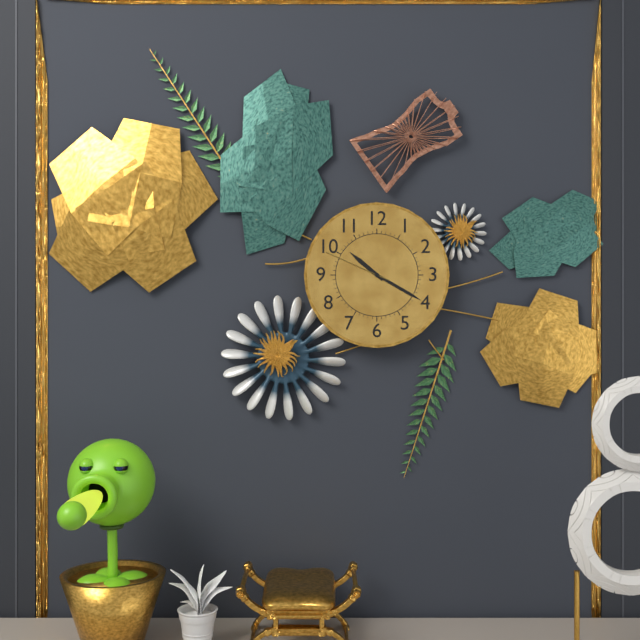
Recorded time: 10:20:49
